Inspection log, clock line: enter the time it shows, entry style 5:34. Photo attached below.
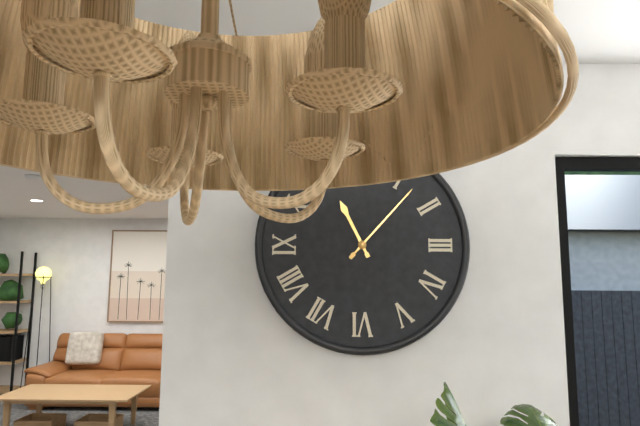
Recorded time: 11:07
